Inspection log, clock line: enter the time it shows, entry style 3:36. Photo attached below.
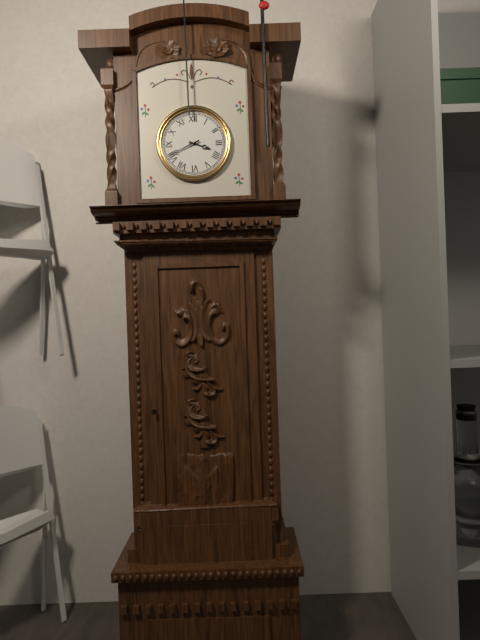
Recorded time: 3:41
